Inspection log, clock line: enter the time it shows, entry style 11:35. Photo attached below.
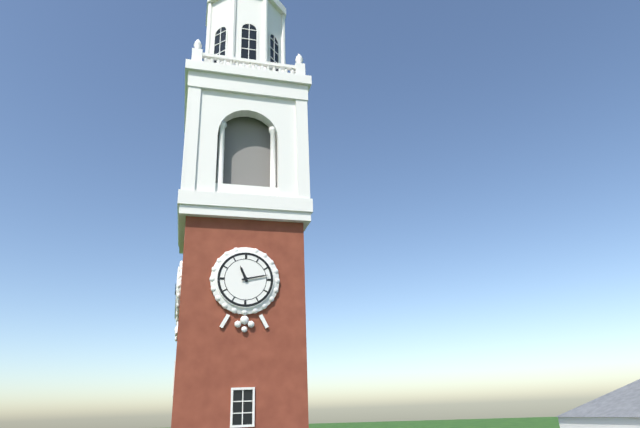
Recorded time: 11:13
